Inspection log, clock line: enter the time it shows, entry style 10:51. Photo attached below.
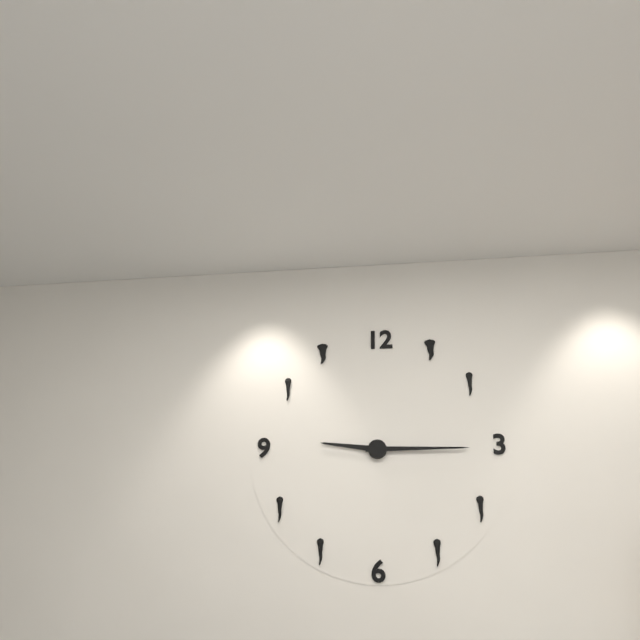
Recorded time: 9:15
